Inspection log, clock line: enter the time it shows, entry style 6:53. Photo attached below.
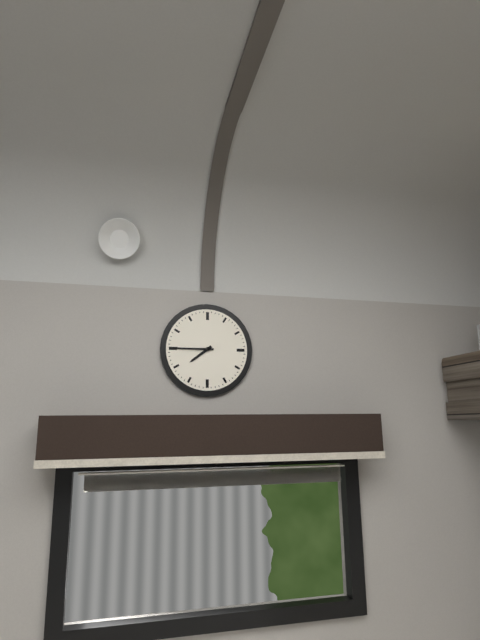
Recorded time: 7:45
